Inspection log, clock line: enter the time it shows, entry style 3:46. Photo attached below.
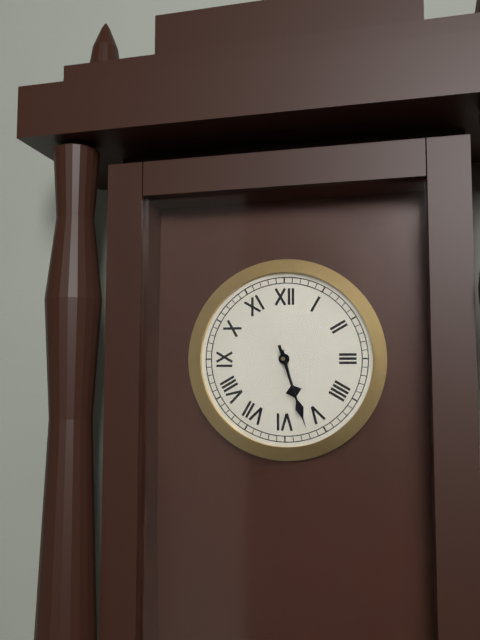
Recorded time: 5:27
